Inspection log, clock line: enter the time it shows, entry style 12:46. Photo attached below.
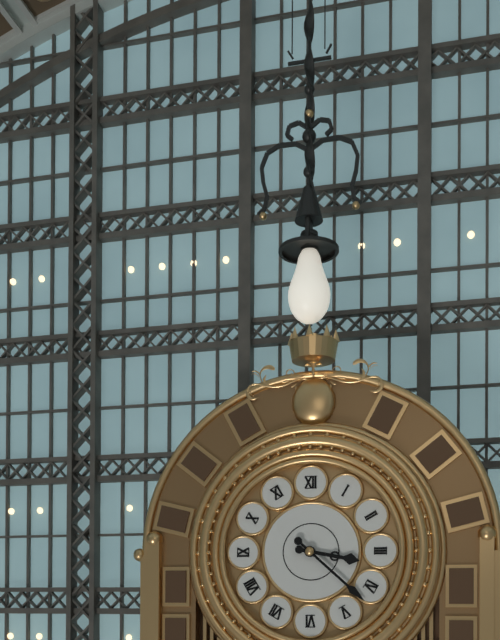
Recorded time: 3:22
